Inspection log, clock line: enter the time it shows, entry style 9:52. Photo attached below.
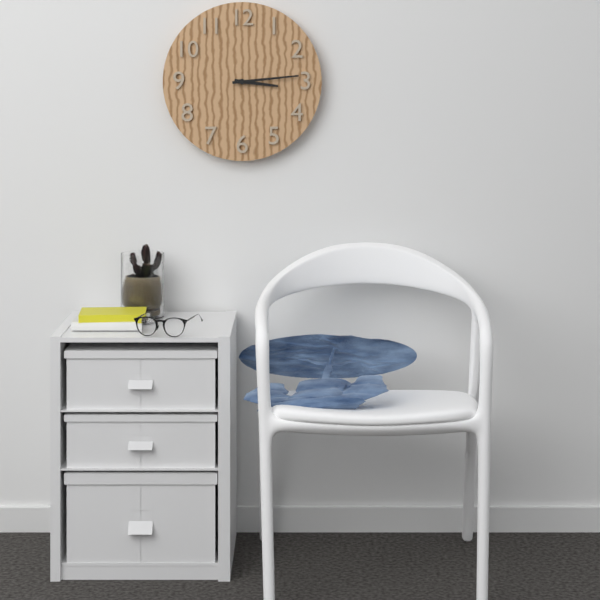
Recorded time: 3:14
